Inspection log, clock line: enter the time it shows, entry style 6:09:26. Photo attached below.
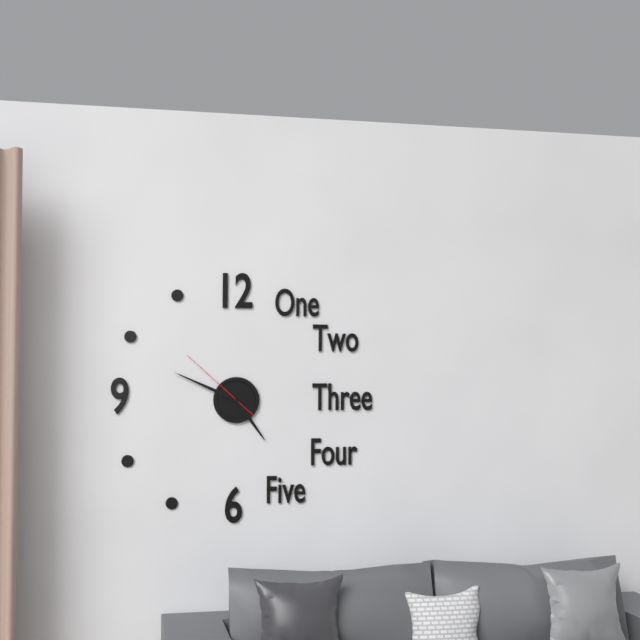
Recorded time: 4:49:52
